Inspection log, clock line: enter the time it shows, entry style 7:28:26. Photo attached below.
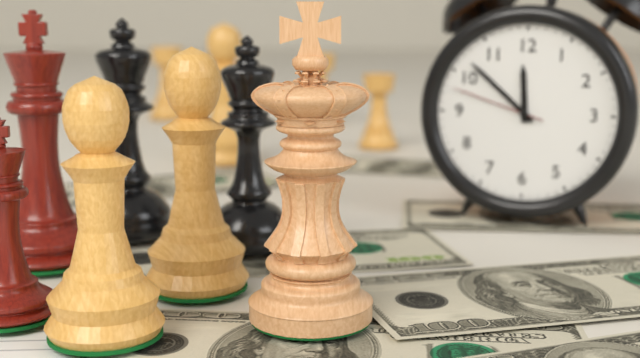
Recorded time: 11:52:48
